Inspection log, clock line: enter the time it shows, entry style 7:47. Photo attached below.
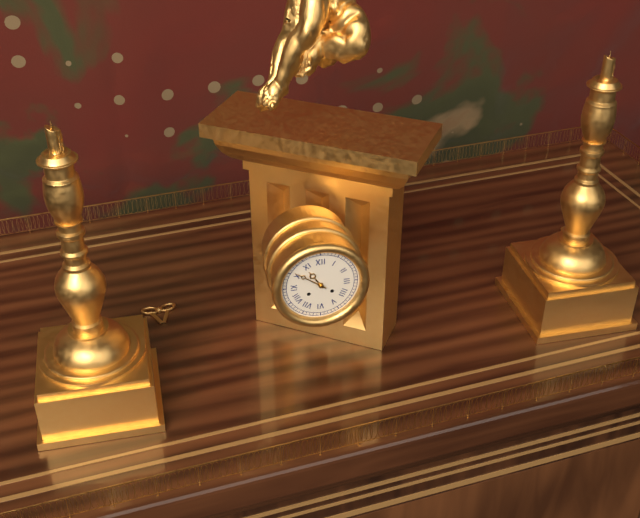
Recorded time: 10:51
